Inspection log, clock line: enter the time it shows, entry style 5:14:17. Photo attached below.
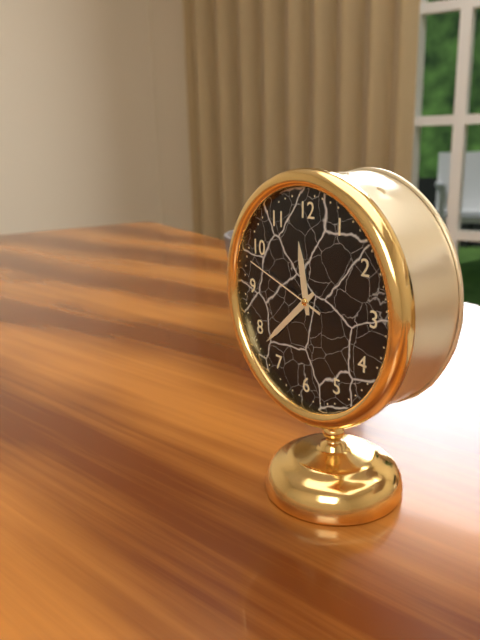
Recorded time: 11:38:48
